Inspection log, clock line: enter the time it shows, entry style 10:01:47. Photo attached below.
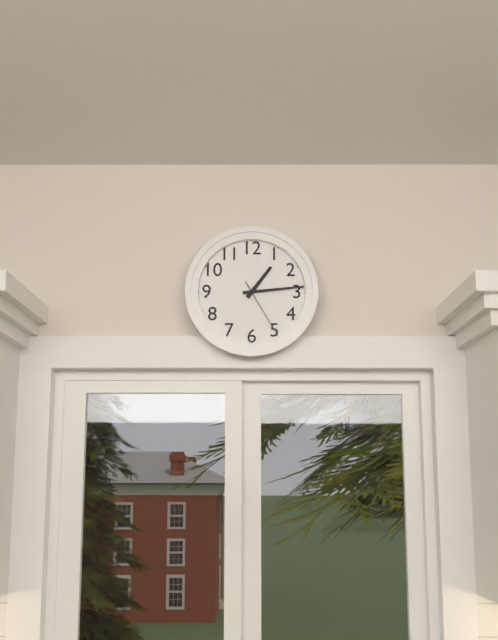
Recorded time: 1:14:25
